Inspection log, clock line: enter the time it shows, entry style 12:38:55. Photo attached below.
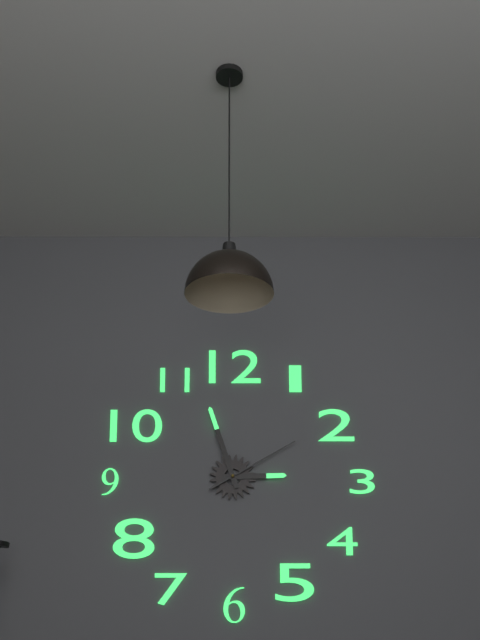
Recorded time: 2:57:10
